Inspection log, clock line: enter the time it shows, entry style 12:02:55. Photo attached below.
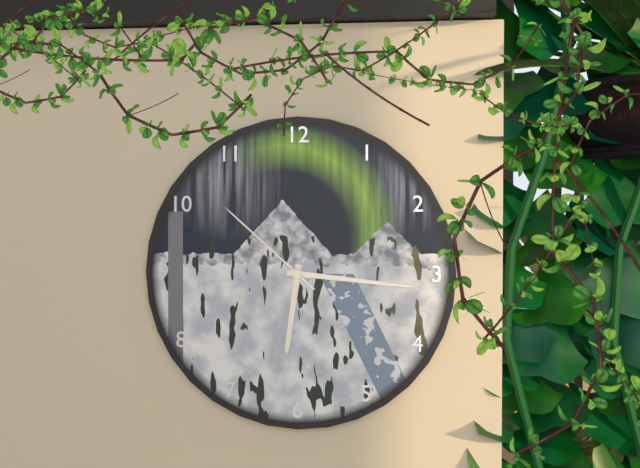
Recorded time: 6:16:52
